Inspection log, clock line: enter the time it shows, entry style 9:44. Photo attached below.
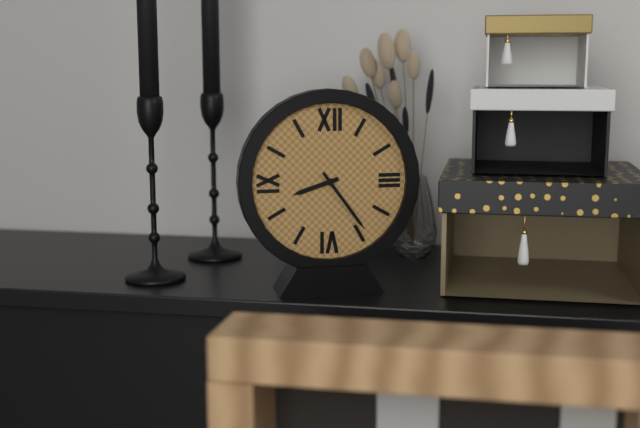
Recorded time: 8:24
